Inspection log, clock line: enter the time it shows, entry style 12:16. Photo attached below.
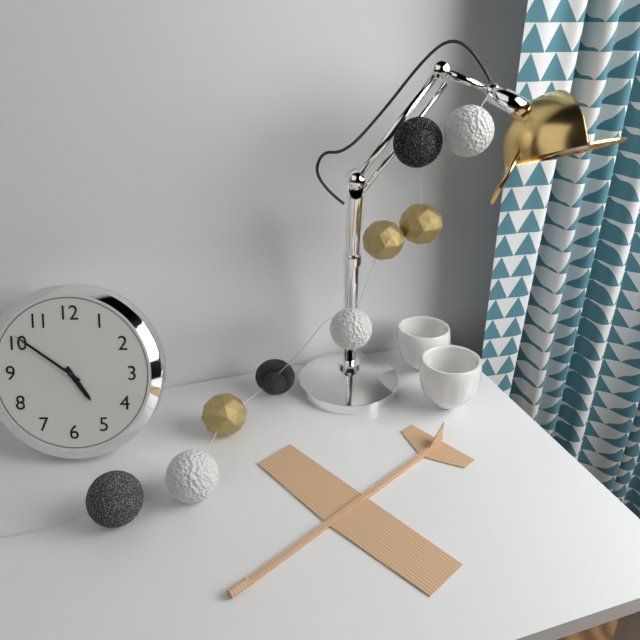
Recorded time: 4:51
